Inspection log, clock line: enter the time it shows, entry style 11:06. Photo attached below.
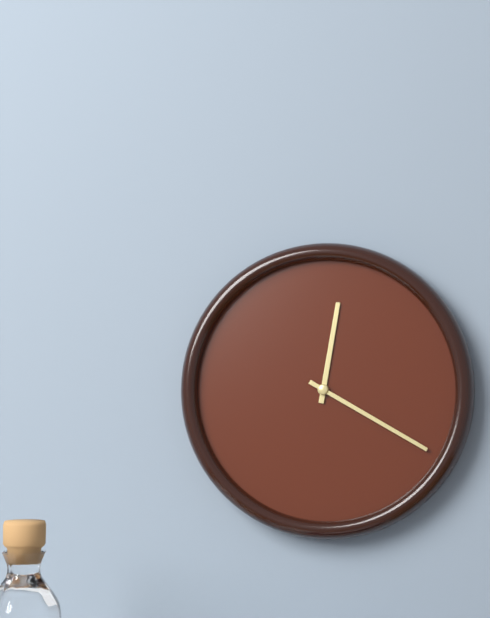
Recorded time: 12:20
